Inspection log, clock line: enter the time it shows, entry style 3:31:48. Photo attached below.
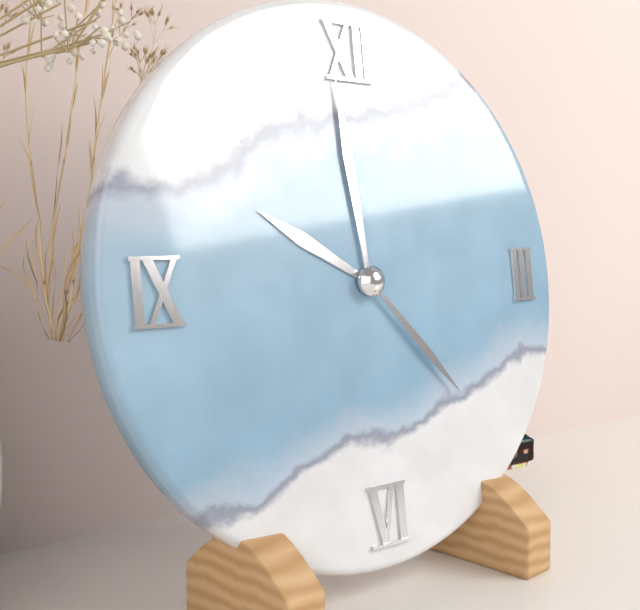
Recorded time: 9:59:23
